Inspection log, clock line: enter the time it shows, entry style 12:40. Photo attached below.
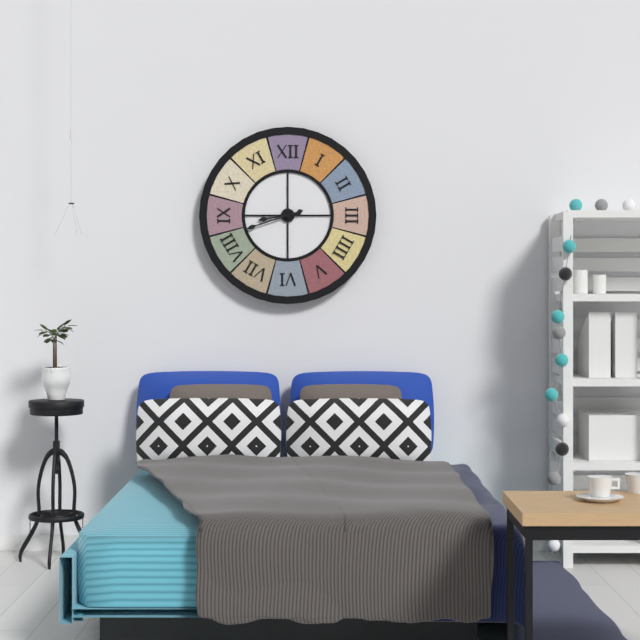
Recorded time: 8:42
